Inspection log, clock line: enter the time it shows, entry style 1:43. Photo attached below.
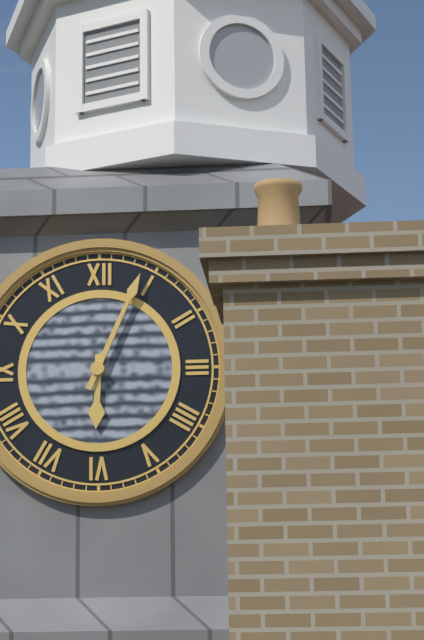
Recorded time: 6:04
